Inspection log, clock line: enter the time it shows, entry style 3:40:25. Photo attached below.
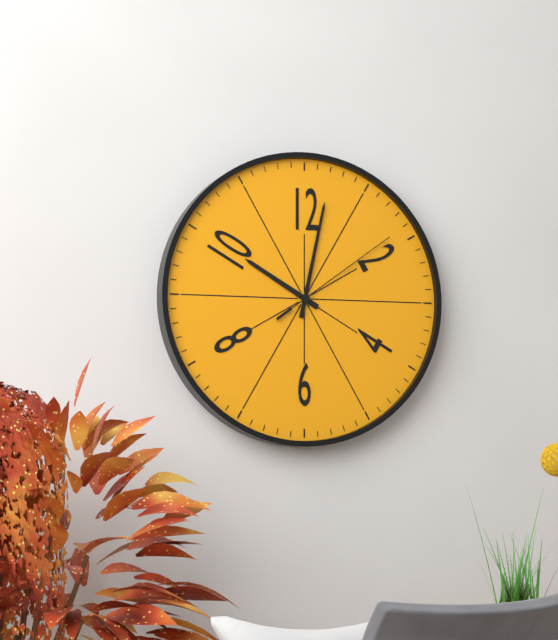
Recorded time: 10:02:09
